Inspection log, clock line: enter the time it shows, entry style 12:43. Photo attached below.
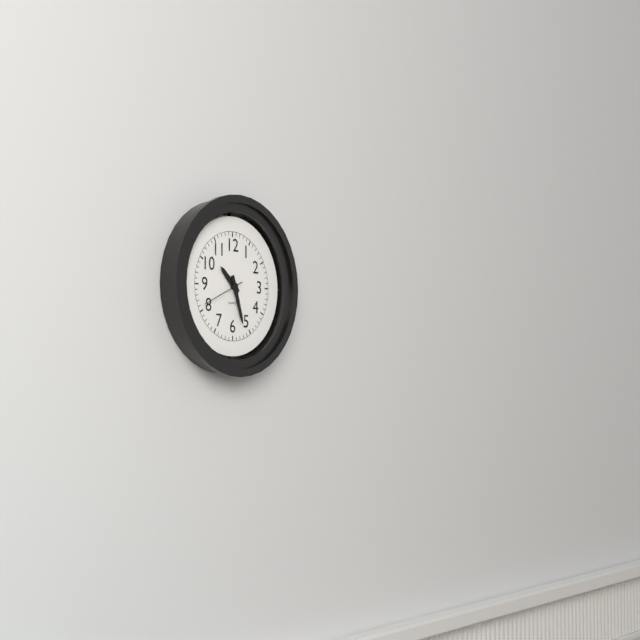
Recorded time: 10:27
